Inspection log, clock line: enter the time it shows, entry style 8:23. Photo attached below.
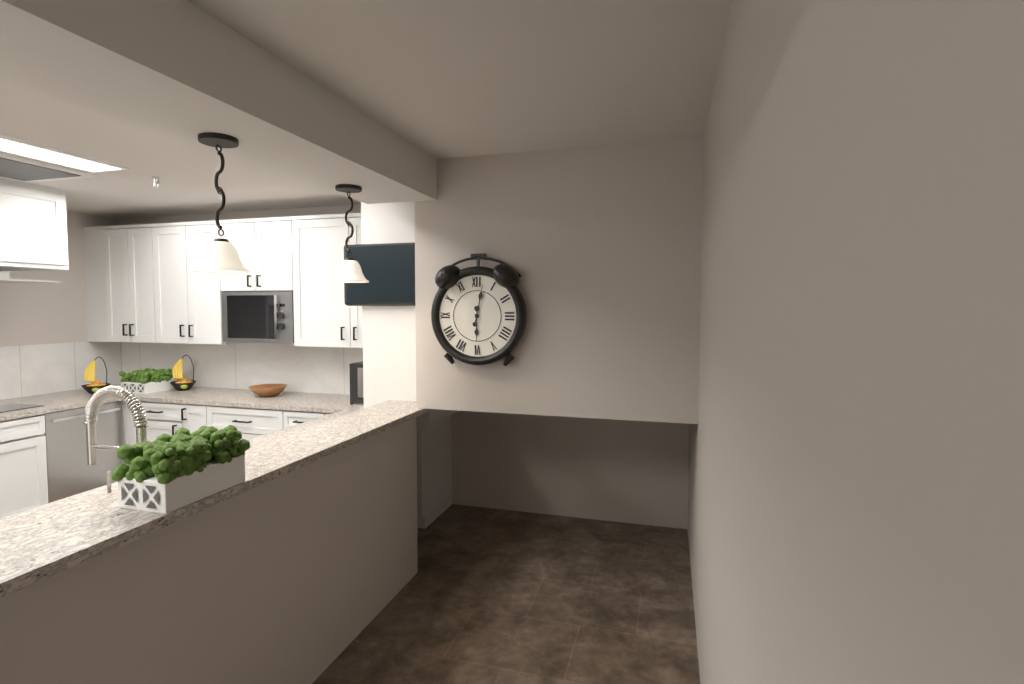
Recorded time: 6:02
